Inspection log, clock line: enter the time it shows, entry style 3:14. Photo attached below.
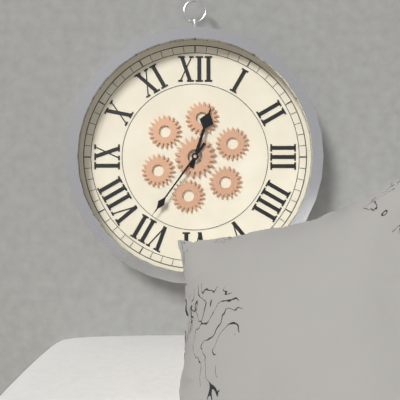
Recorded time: 12:36
